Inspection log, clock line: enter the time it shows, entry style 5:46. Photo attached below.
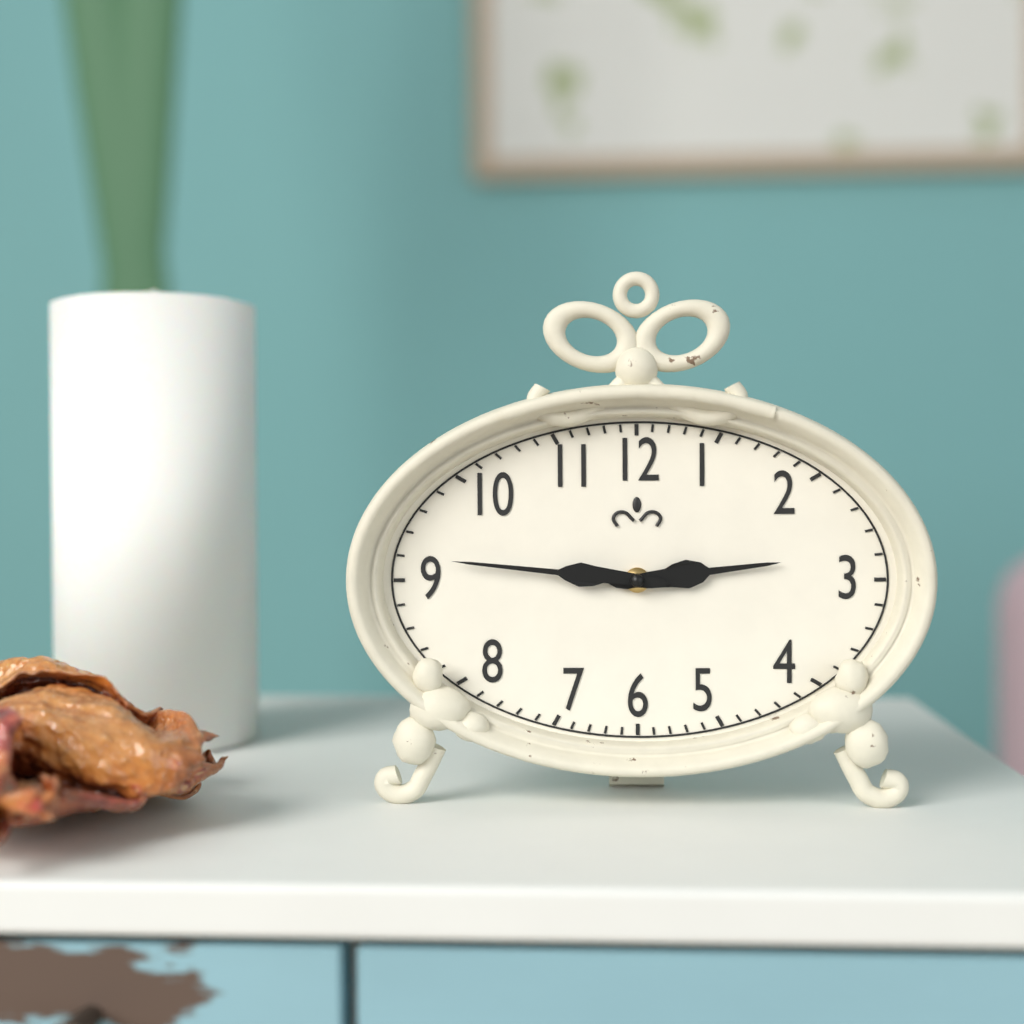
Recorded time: 2:46
